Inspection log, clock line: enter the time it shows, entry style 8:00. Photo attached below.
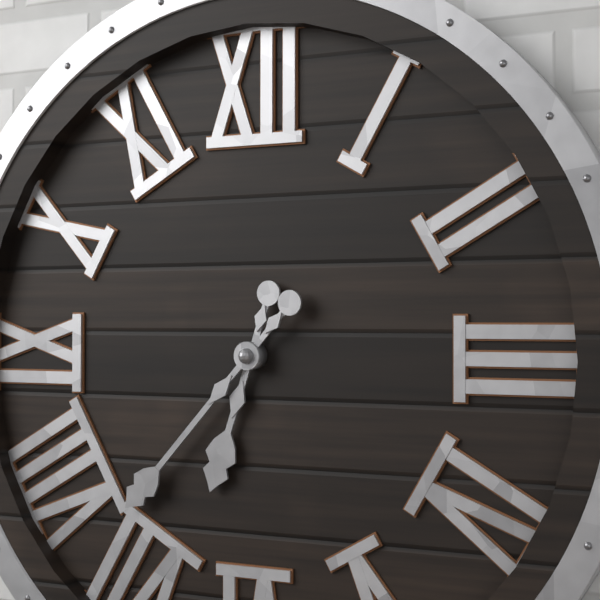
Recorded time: 6:37
